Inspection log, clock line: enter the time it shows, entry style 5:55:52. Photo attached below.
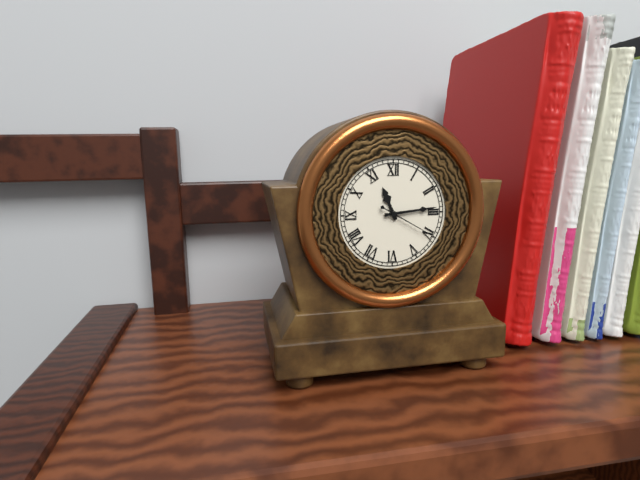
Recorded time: 11:14:20
